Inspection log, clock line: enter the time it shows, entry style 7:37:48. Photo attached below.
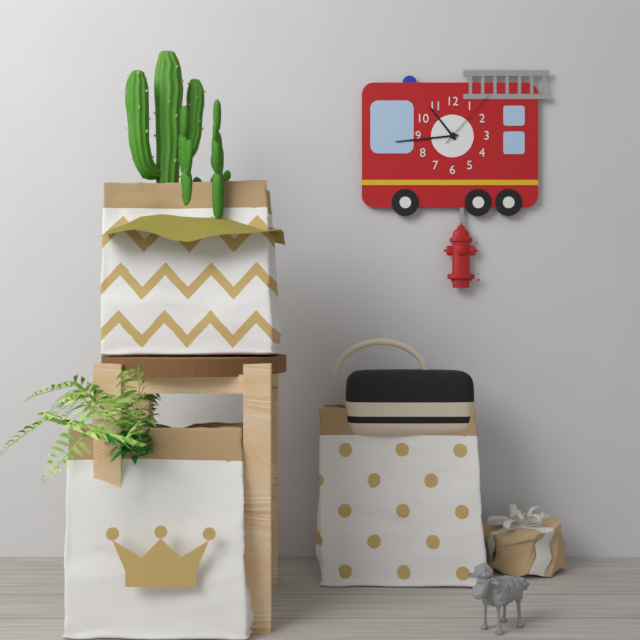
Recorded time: 10:44:07
